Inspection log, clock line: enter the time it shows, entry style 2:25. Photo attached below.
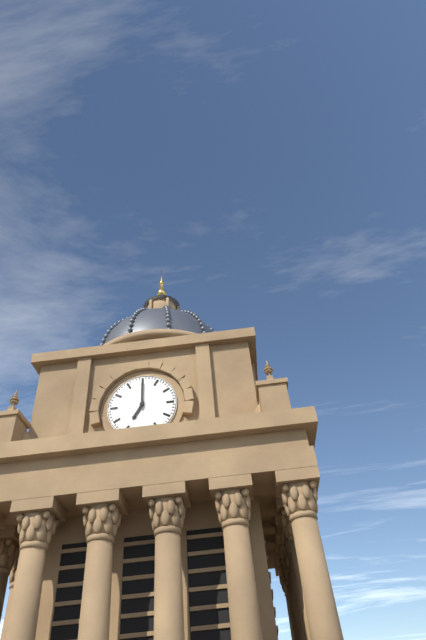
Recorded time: 7:00
